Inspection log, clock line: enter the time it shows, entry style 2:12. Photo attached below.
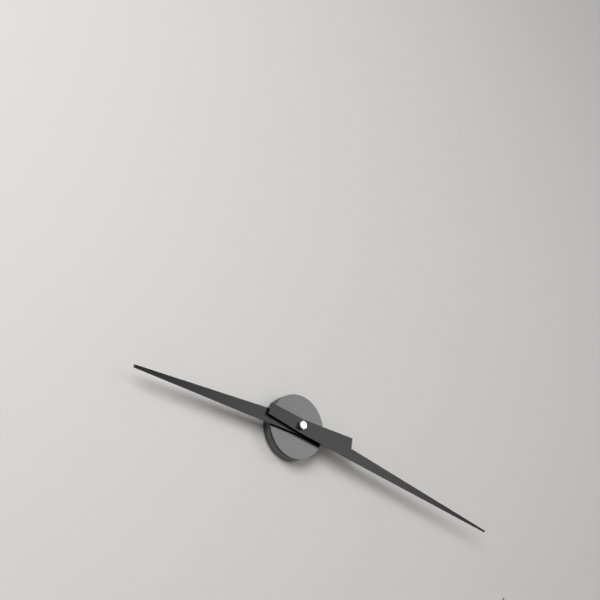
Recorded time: 9:18
